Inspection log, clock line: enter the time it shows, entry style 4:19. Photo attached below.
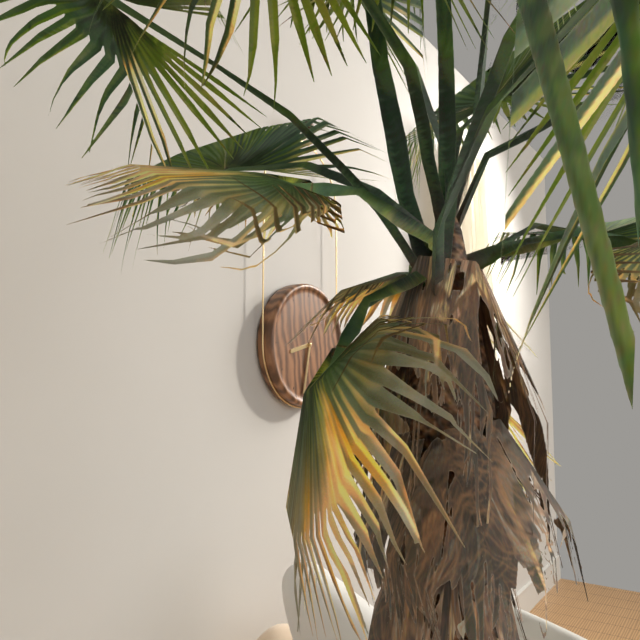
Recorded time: 8:32
